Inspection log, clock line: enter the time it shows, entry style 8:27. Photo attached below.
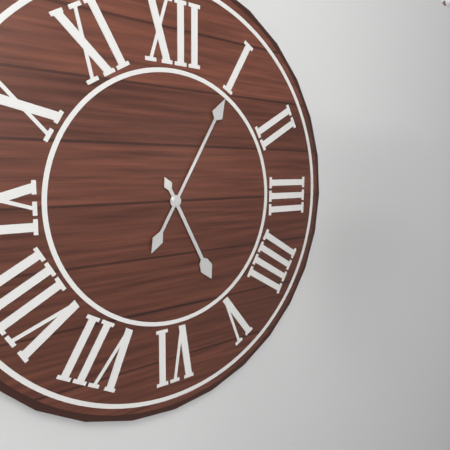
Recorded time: 5:05
